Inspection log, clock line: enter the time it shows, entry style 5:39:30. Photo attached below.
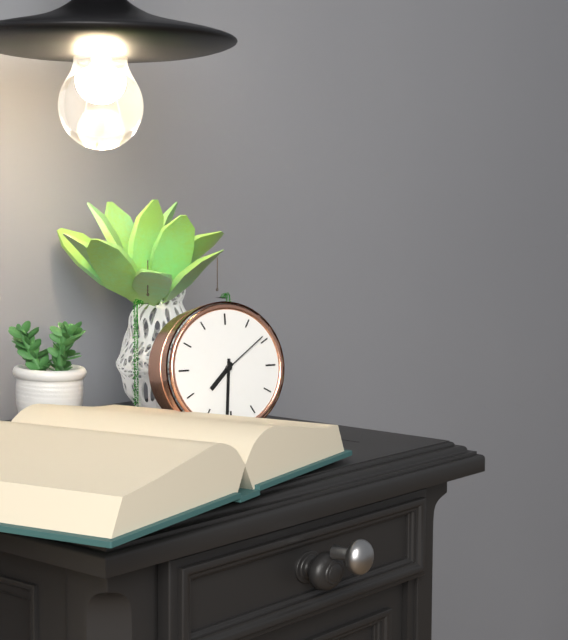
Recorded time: 7:31:09
